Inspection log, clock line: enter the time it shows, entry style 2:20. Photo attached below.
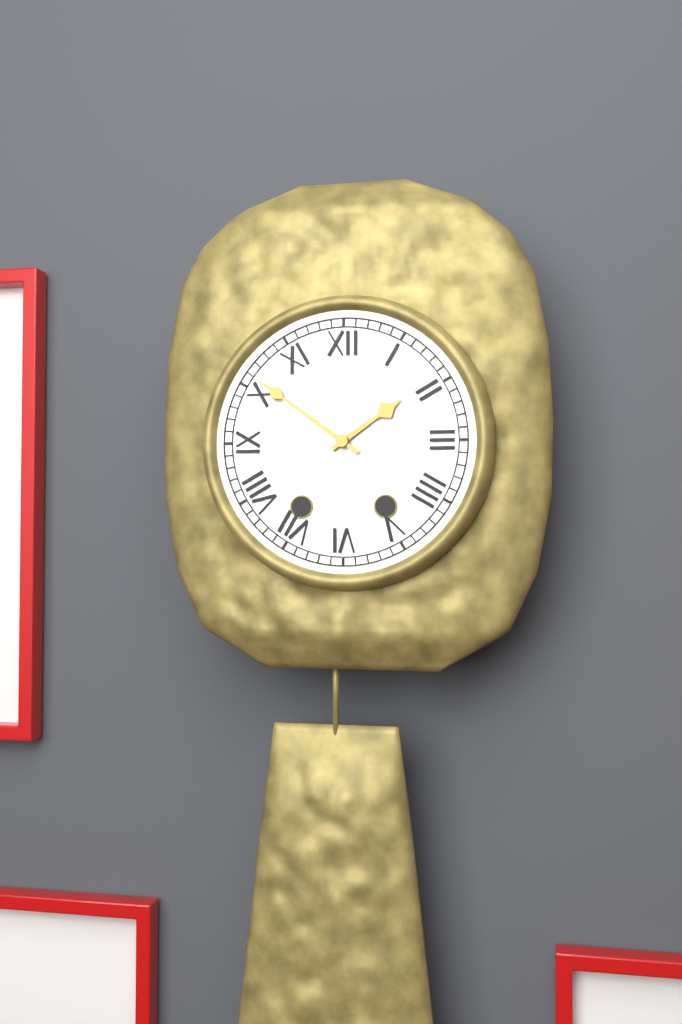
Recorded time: 1:51
